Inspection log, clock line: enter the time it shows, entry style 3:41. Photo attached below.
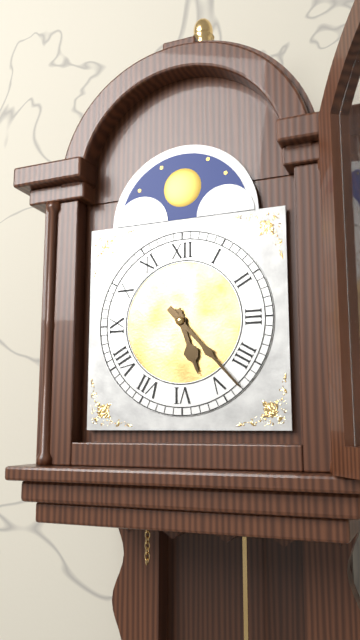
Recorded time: 5:23
